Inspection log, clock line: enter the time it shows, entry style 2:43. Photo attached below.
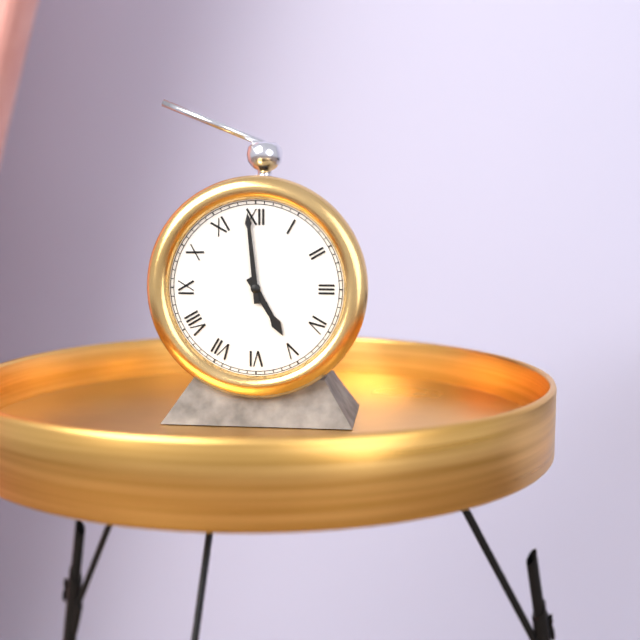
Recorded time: 4:59
